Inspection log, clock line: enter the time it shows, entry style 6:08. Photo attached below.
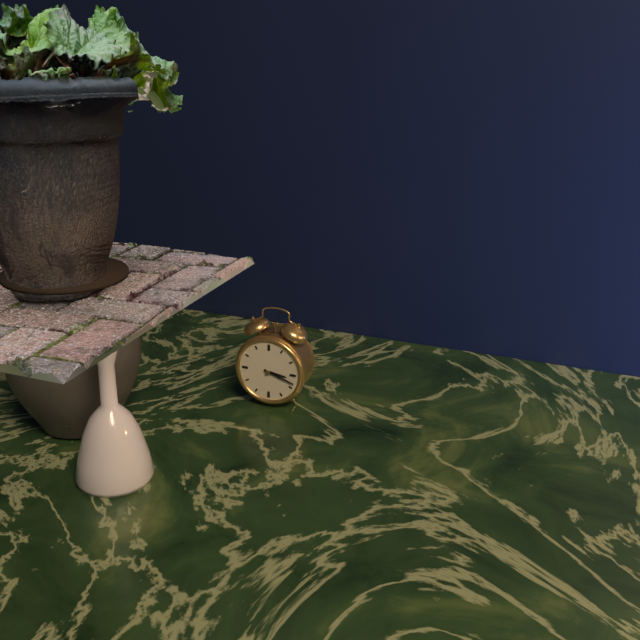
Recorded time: 3:18
